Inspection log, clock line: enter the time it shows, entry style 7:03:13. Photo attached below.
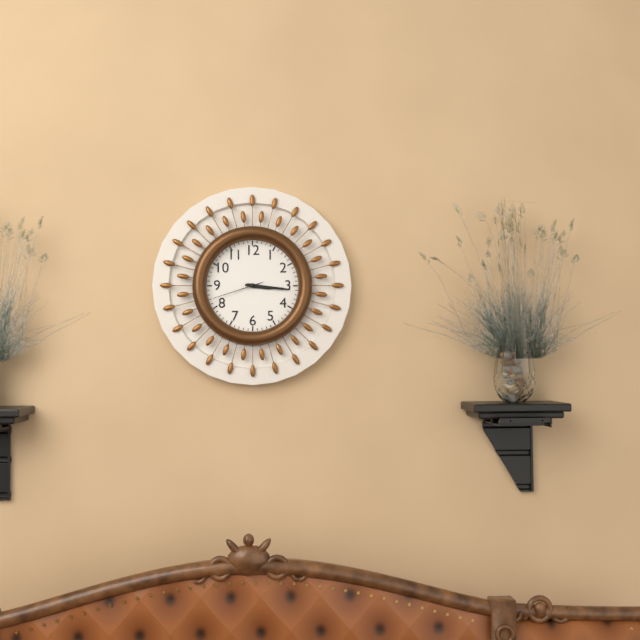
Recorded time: 3:16:42
